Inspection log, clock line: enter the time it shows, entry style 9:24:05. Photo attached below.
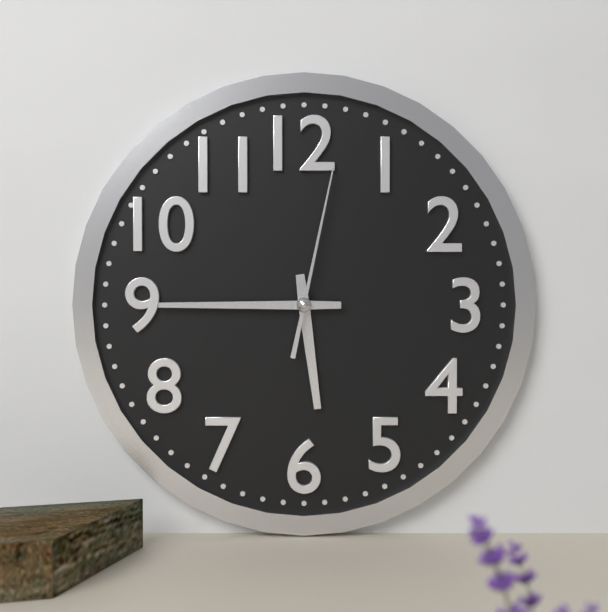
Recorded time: 5:45:02
